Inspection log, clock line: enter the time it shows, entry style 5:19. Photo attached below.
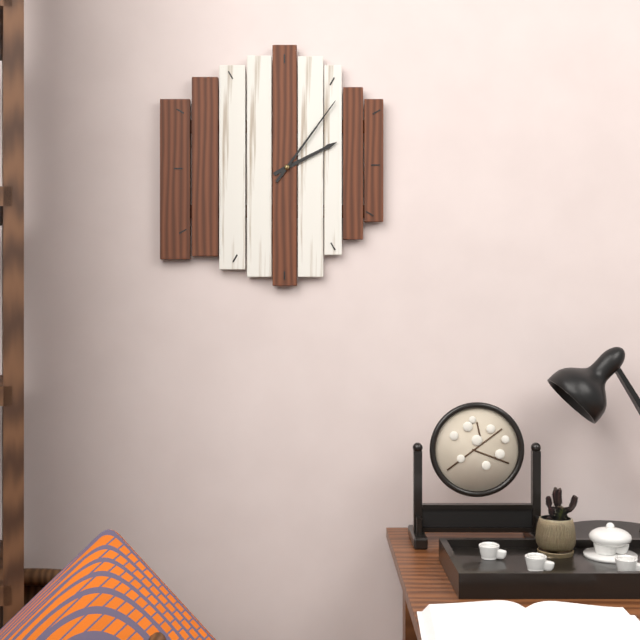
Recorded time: 2:06
